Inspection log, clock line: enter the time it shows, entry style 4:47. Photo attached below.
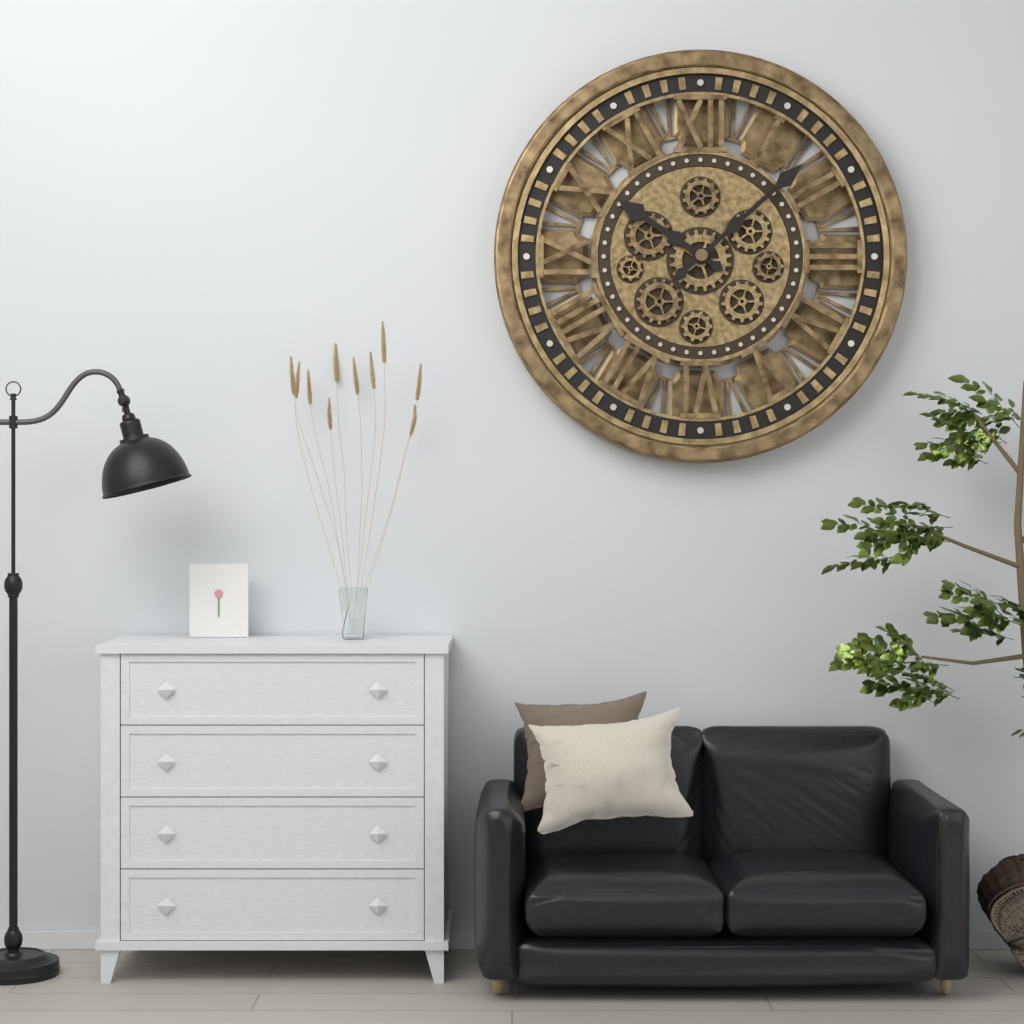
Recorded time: 10:08
